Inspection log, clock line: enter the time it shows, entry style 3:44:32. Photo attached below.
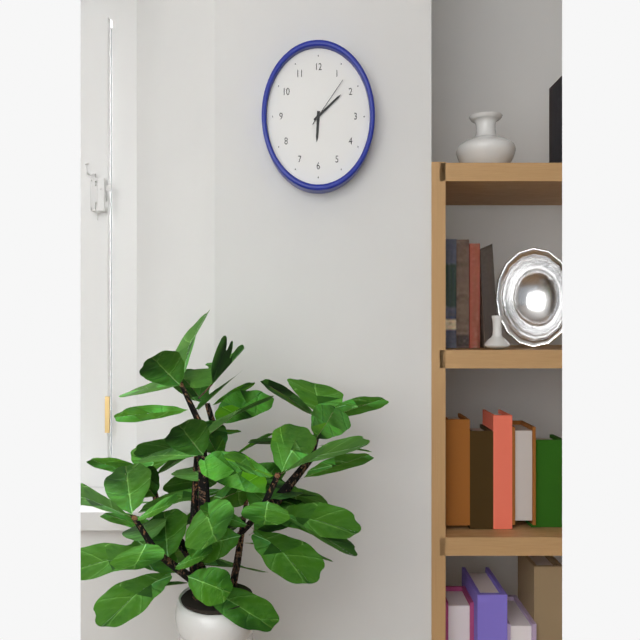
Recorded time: 6:09:07
